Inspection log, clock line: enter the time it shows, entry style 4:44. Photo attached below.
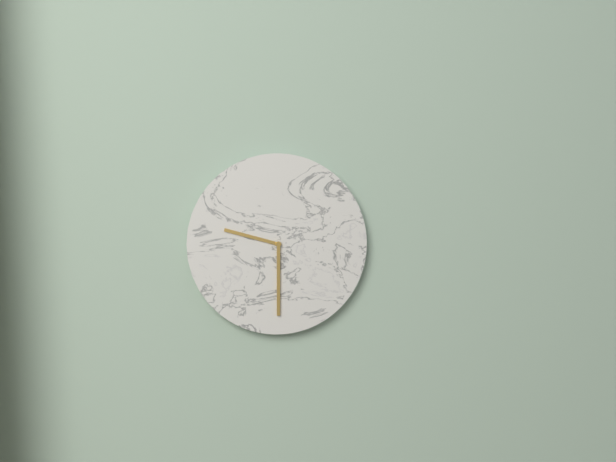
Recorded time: 9:30
